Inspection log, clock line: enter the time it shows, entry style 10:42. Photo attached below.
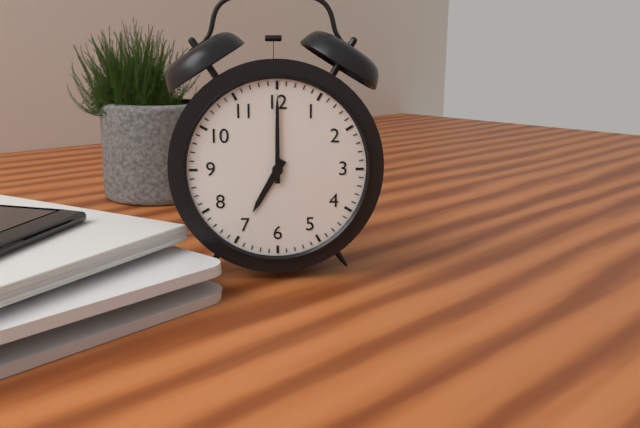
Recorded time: 7:00
